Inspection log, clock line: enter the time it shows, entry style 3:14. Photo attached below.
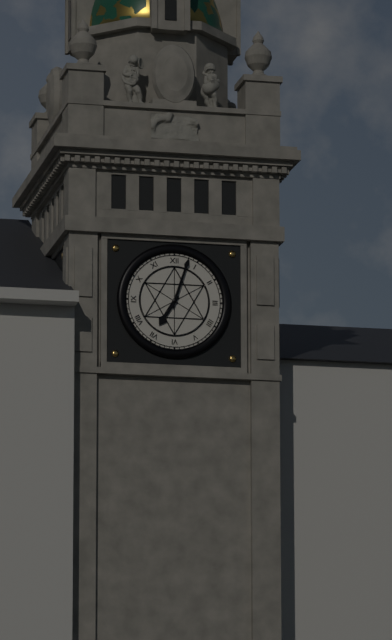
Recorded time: 7:03
